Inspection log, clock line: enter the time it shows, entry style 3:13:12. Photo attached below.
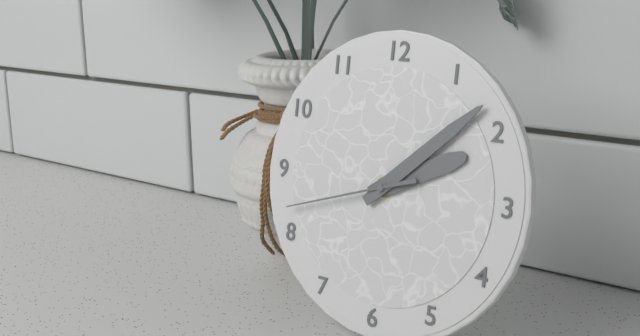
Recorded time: 2:08:42
